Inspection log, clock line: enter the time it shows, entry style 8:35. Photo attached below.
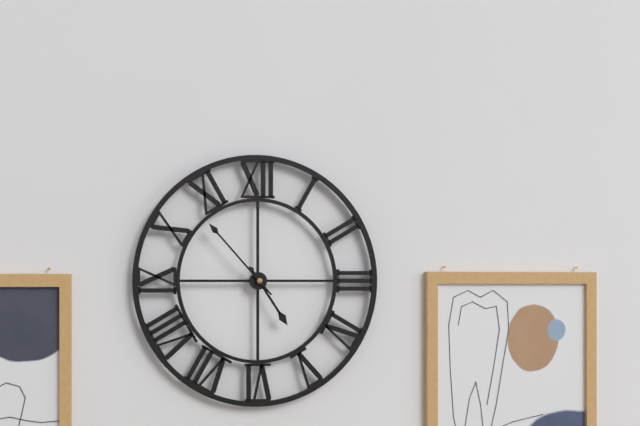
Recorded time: 4:53
